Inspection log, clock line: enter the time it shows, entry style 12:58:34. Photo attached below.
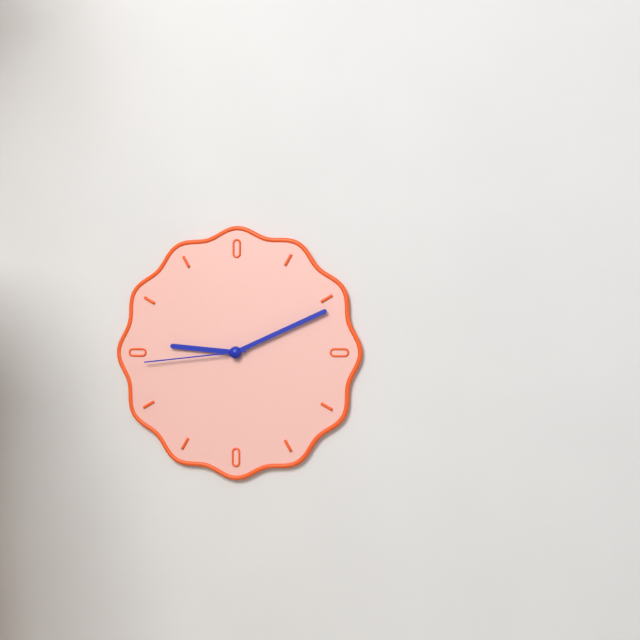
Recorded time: 9:11:44
